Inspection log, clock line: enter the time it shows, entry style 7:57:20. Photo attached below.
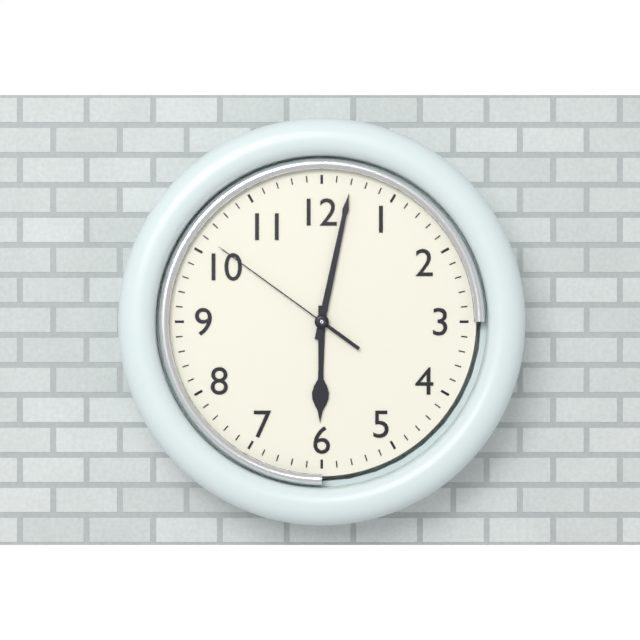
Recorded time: 6:02:51
